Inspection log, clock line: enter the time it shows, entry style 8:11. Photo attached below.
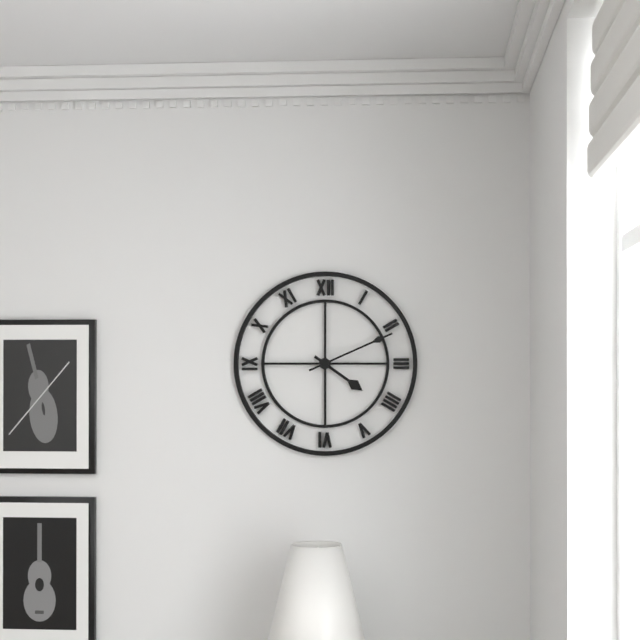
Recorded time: 4:11
